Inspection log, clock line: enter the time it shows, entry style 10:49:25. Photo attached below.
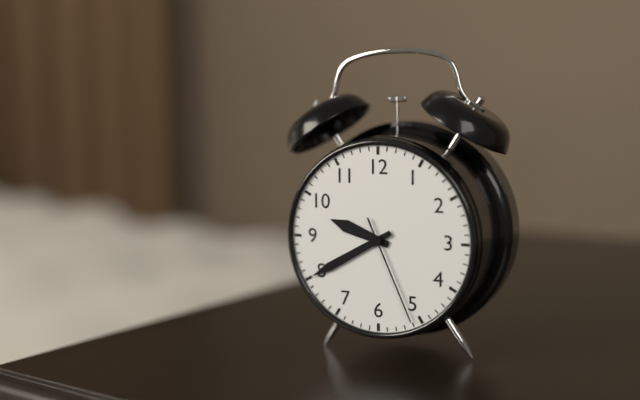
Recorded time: 9:40:26
